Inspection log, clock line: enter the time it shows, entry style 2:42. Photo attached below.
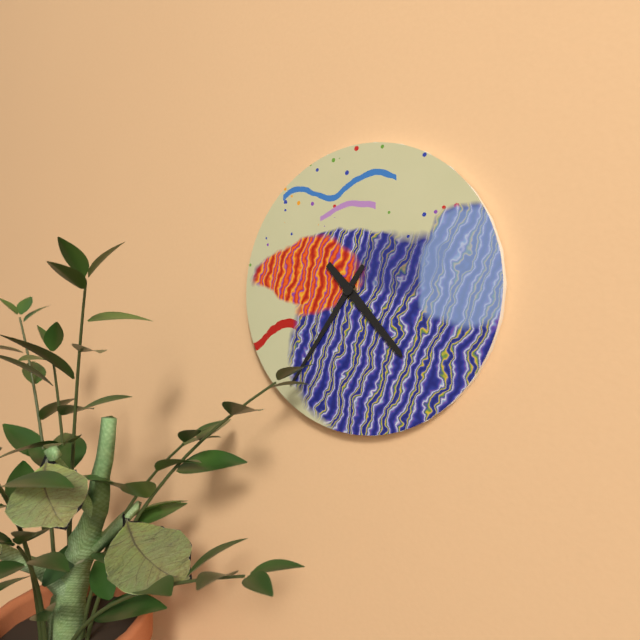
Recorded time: 4:36
